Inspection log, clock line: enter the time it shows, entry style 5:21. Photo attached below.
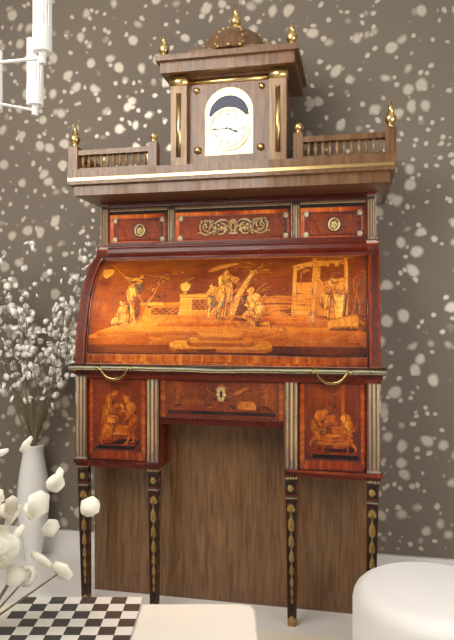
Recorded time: 3:45
